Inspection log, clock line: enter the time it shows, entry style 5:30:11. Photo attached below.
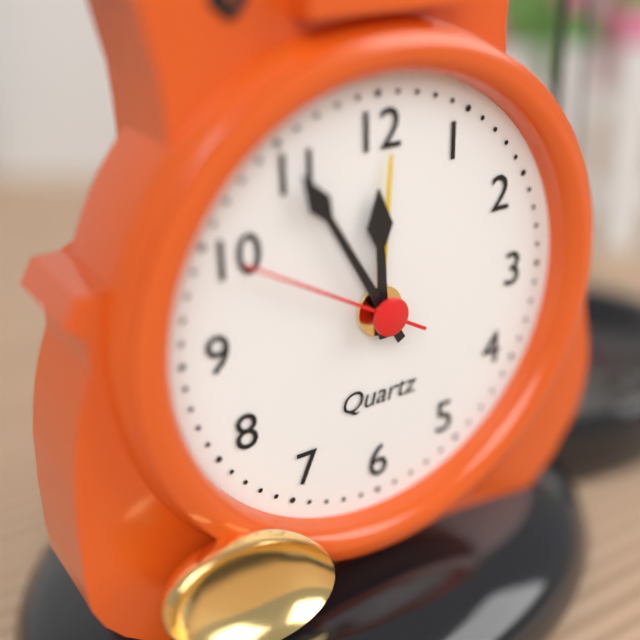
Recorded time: 11:55:50
